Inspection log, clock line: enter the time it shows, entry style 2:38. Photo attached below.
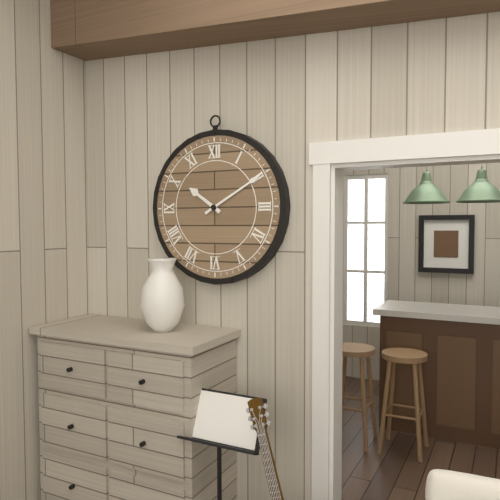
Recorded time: 10:10
